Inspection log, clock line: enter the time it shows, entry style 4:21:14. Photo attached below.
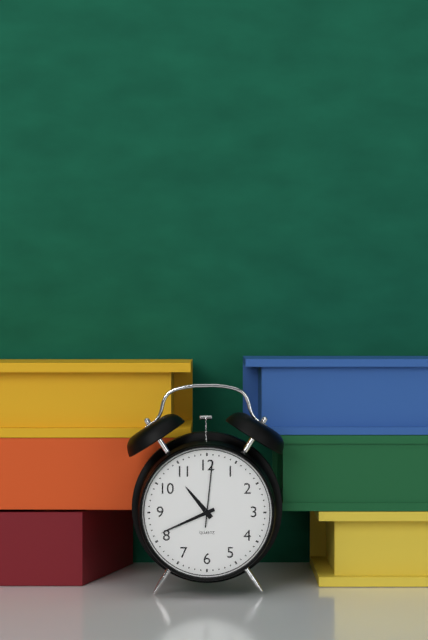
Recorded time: 10:41:01
